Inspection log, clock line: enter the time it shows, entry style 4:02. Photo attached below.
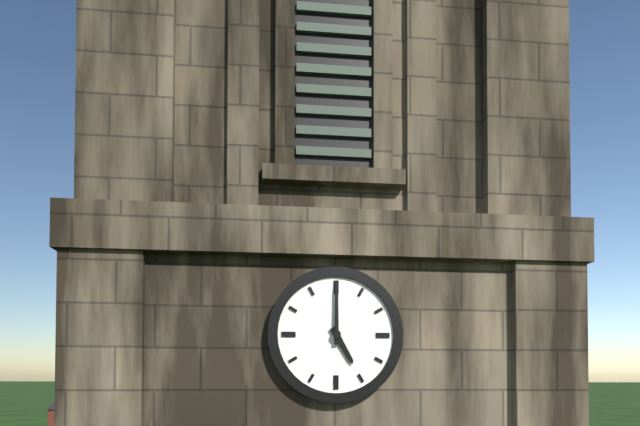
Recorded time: 5:00
